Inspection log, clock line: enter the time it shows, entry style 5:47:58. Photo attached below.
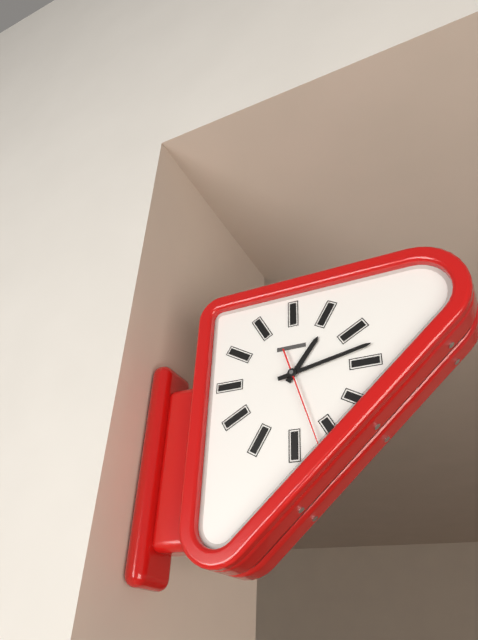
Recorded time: 1:13:27
